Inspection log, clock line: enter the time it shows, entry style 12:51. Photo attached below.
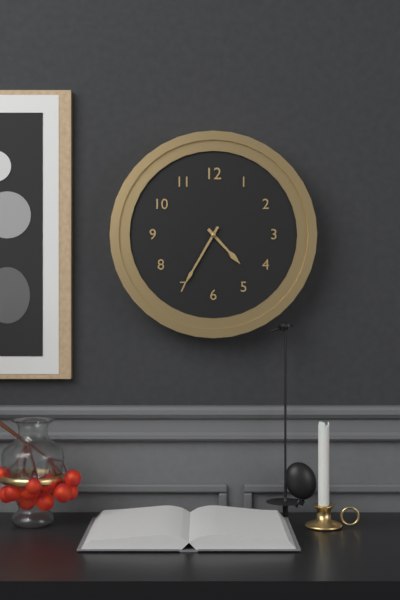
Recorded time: 4:35
